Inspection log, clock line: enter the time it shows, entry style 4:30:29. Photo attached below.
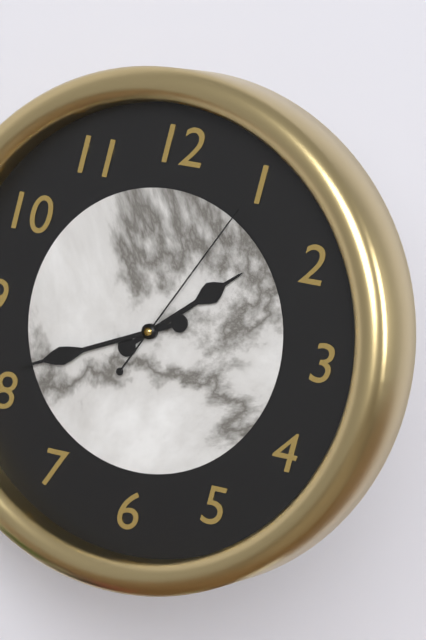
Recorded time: 1:41:05
